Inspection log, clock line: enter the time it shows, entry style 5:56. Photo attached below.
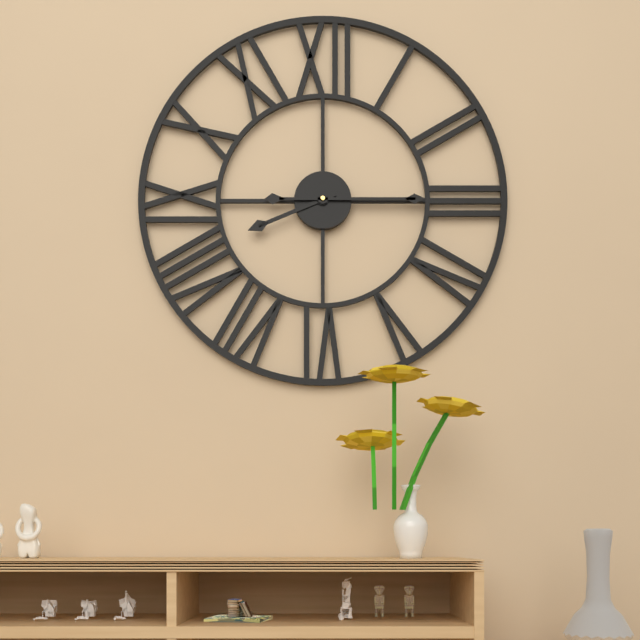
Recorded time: 8:15
